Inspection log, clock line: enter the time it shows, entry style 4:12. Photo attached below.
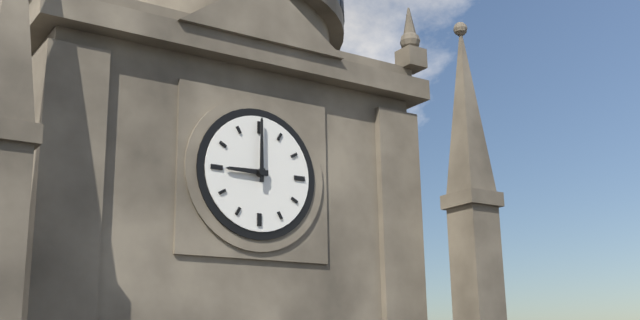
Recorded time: 9:00
